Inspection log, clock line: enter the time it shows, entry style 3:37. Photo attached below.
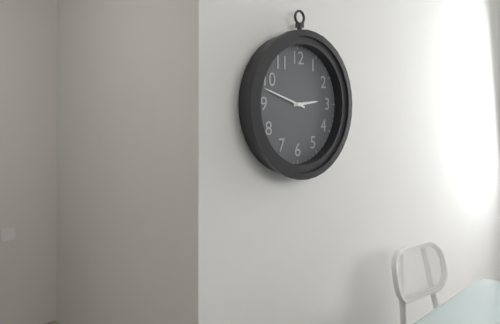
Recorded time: 2:48
